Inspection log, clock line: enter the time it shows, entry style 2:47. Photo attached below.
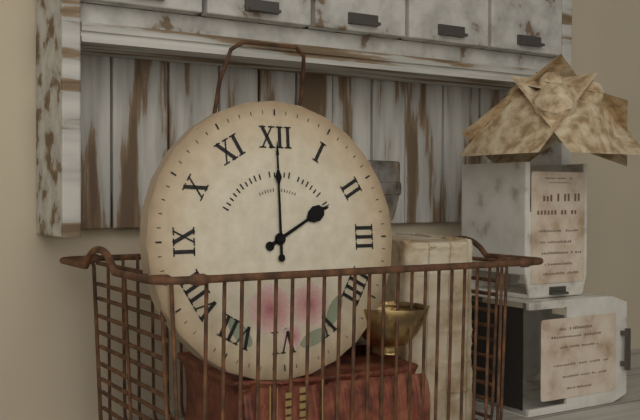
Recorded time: 2:00
